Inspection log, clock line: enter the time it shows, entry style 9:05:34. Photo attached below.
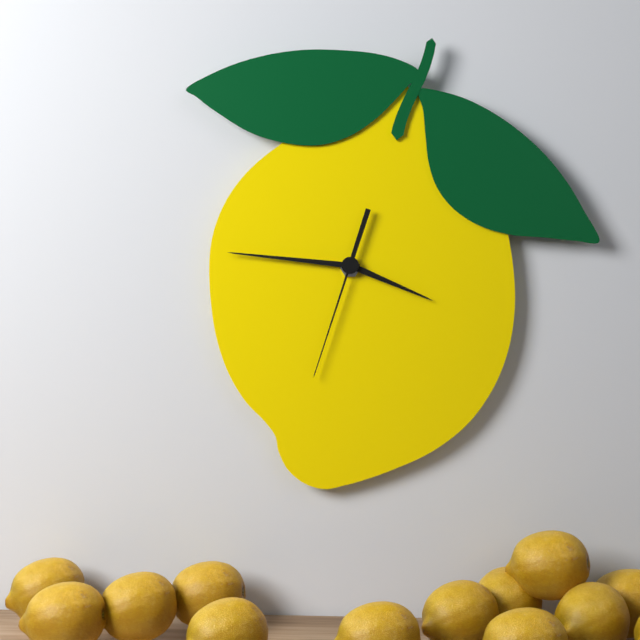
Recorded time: 3:46:33
